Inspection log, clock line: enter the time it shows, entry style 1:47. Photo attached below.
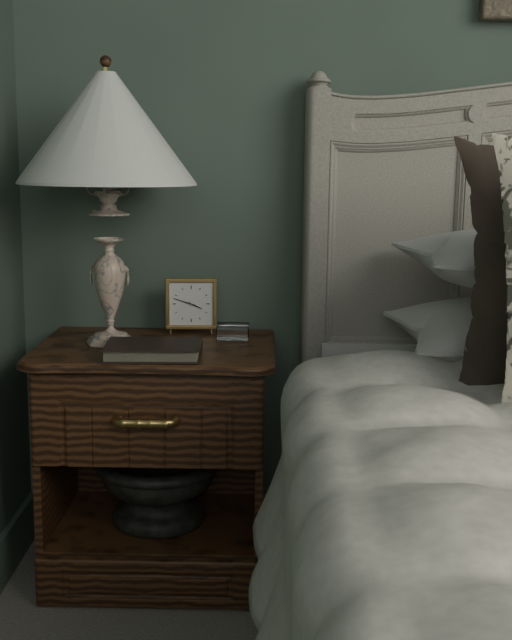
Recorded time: 3:48
